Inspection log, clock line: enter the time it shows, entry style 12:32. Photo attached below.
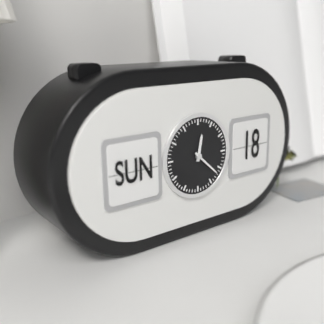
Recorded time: 12:22
